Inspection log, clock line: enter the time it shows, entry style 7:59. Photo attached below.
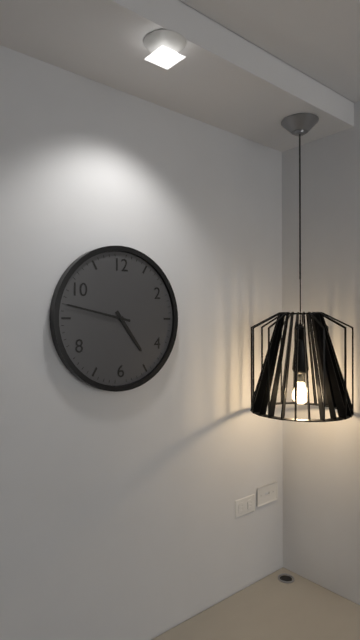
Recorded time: 4:47
